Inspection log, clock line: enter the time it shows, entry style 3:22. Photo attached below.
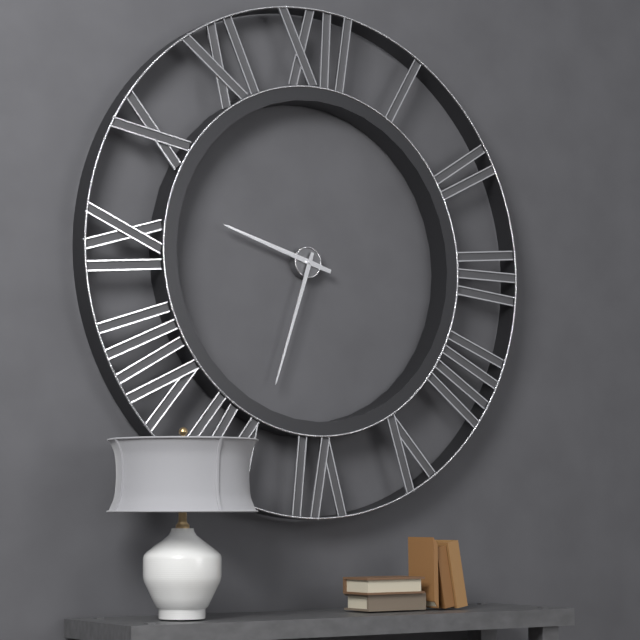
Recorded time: 9:33
